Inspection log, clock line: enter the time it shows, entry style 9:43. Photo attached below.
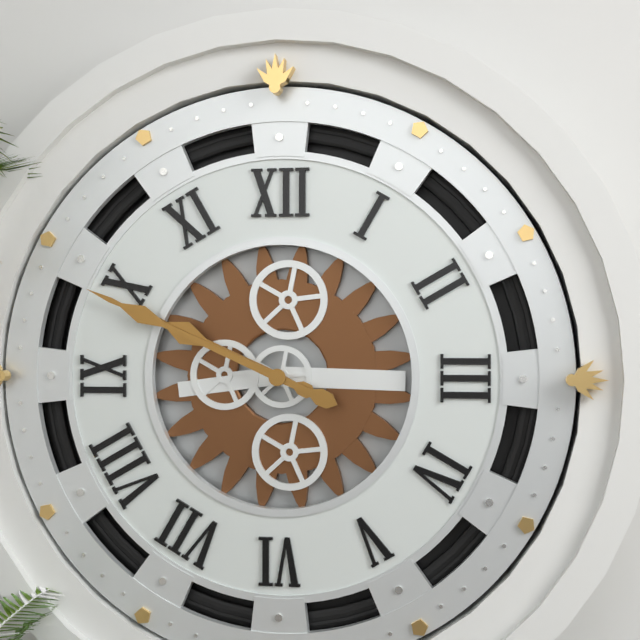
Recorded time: 9:49
